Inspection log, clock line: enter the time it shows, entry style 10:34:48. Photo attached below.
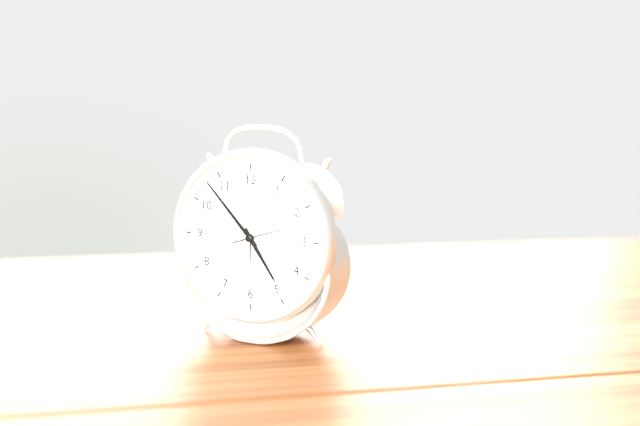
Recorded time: 4:53:12
